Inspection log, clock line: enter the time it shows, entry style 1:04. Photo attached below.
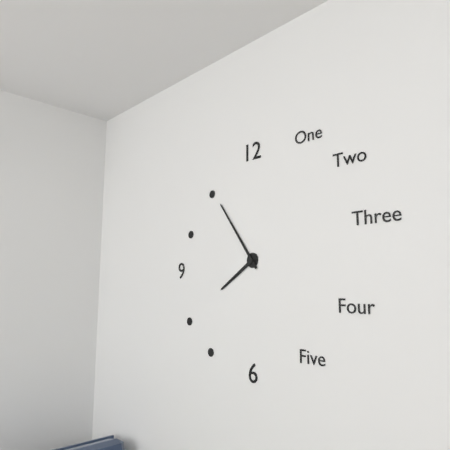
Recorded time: 7:54
